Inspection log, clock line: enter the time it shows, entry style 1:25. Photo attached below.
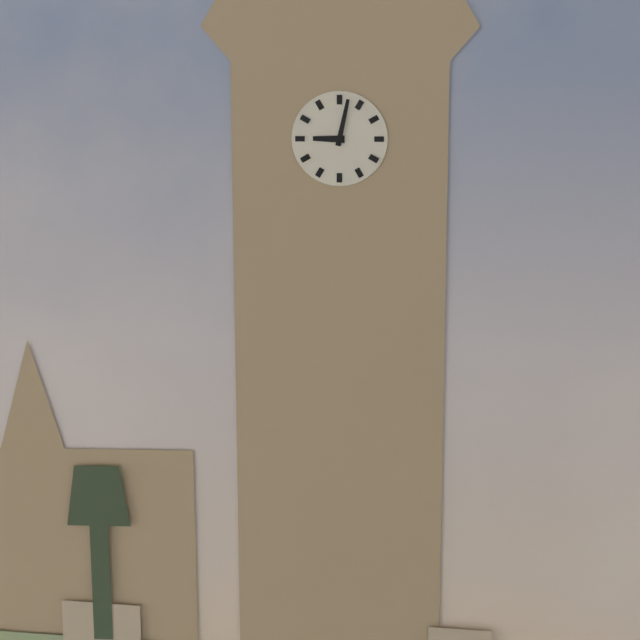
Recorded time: 9:02
